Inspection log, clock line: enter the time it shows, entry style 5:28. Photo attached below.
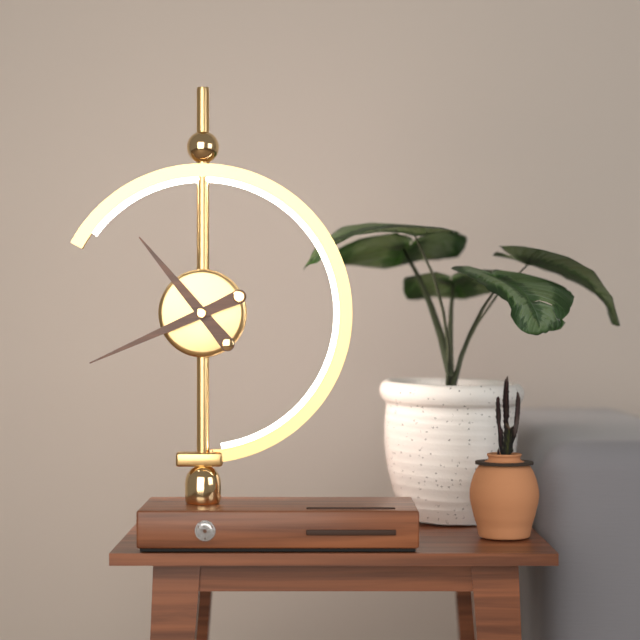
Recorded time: 10:41
